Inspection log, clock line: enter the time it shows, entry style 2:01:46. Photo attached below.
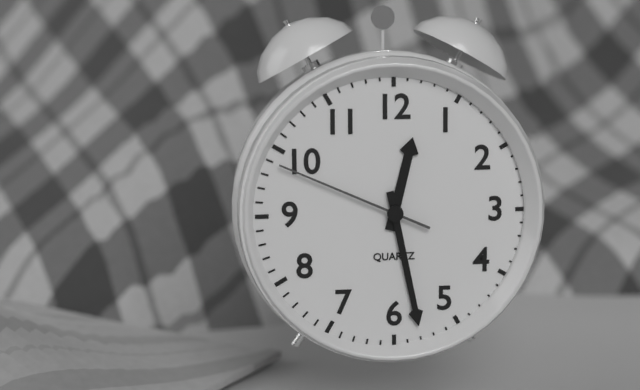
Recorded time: 12:28:49
